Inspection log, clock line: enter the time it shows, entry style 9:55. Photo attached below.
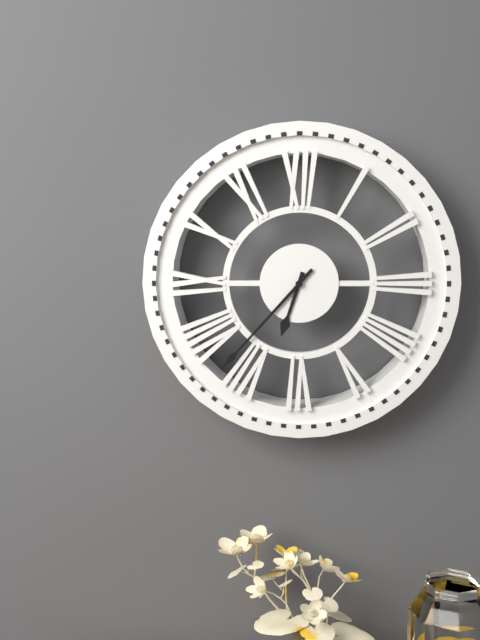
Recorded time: 6:37
